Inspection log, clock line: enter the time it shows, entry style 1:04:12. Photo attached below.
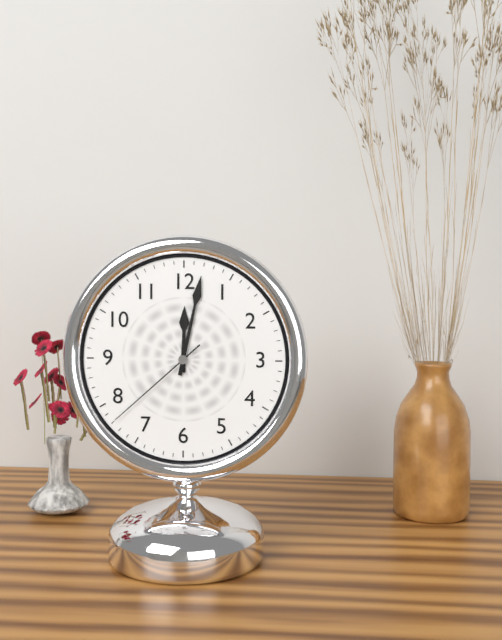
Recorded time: 12:02:38
